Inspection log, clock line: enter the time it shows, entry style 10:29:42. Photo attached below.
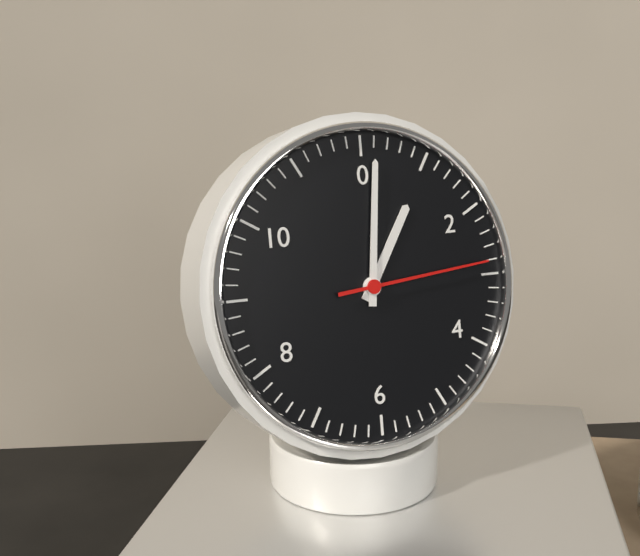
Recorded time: 1:01:14
